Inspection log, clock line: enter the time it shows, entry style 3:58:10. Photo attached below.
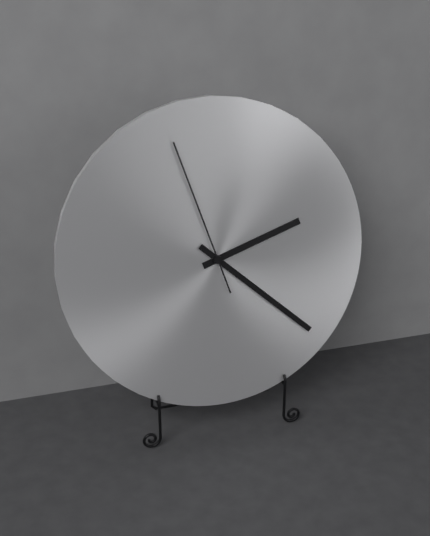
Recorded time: 2:22:57
